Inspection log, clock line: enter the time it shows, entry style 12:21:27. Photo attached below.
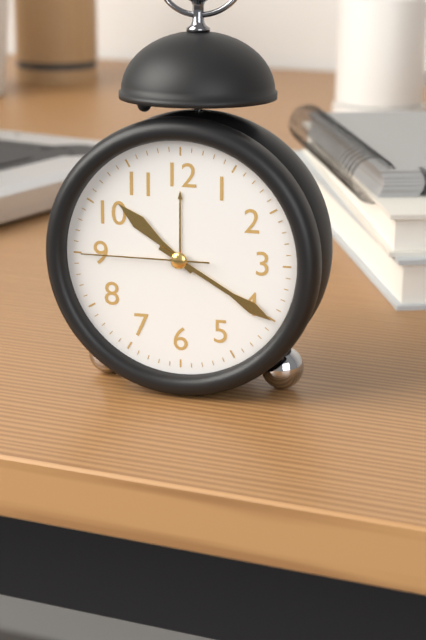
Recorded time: 10:20:45
